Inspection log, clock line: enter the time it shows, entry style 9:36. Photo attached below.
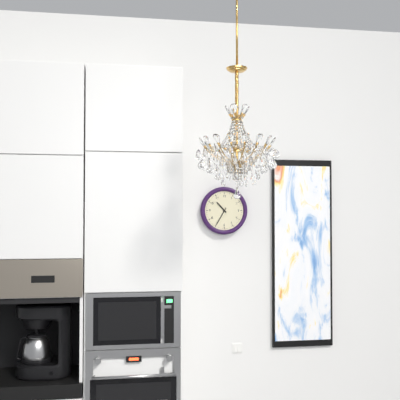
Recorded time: 10:35
